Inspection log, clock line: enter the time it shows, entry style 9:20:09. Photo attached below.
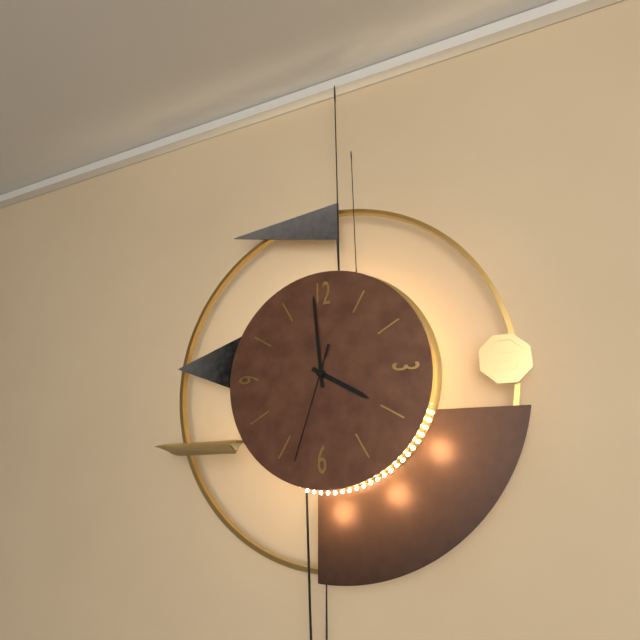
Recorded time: 3:59:33
